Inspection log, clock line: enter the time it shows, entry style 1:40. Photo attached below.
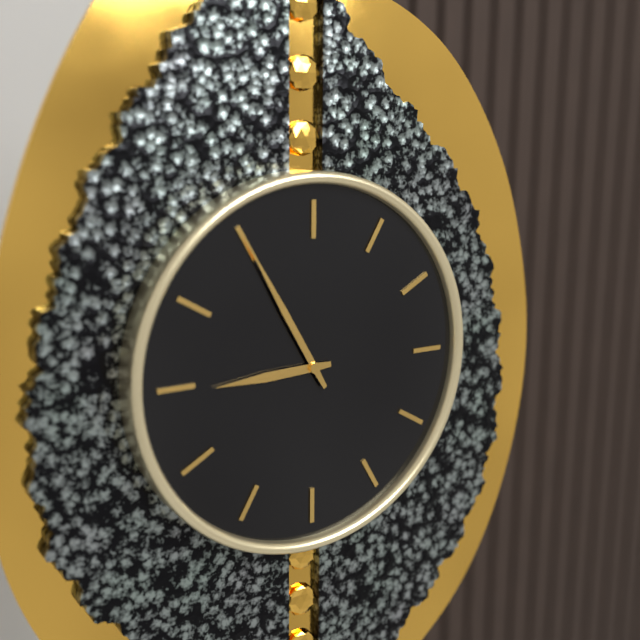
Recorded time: 8:55
